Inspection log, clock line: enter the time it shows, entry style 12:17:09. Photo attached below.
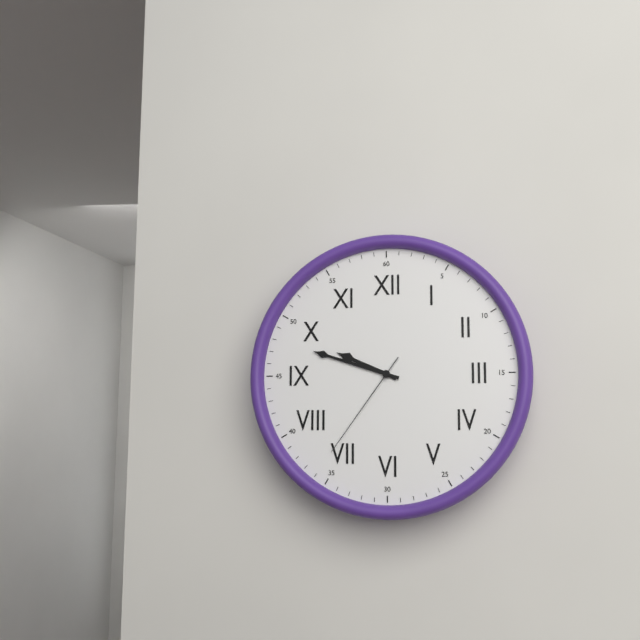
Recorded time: 9:48:36
